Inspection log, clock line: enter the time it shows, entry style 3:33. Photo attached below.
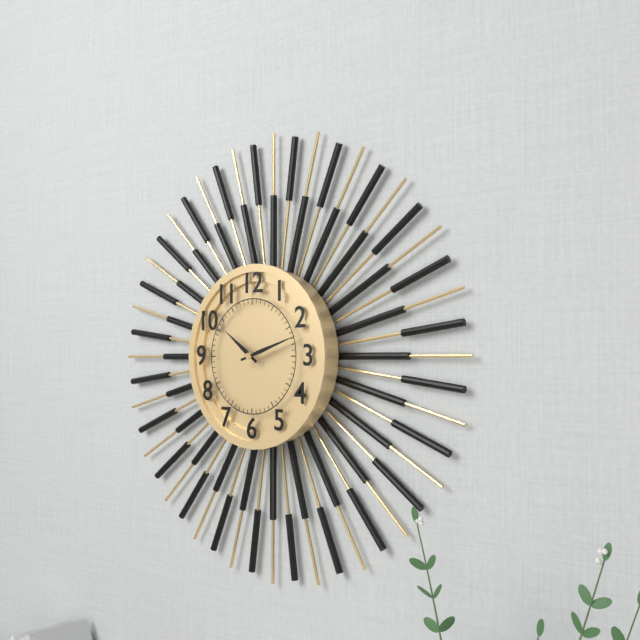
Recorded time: 10:12
